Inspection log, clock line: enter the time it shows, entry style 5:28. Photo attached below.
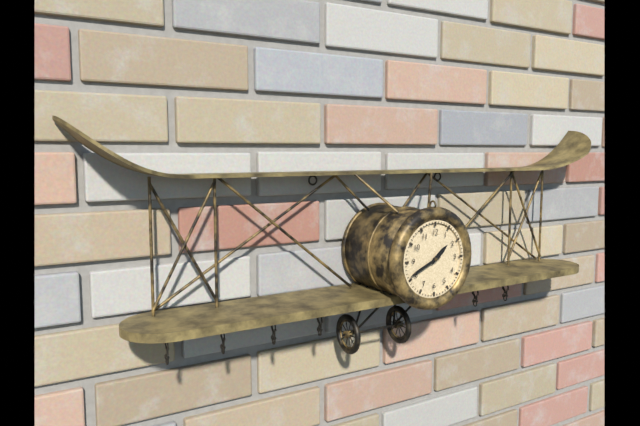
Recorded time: 1:41
